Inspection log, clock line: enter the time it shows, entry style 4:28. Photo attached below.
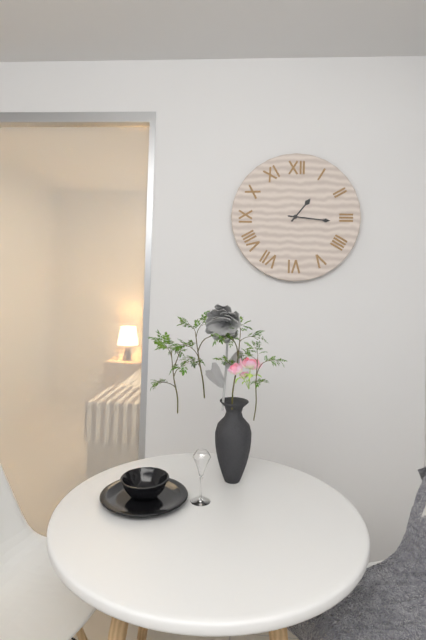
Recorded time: 1:16
